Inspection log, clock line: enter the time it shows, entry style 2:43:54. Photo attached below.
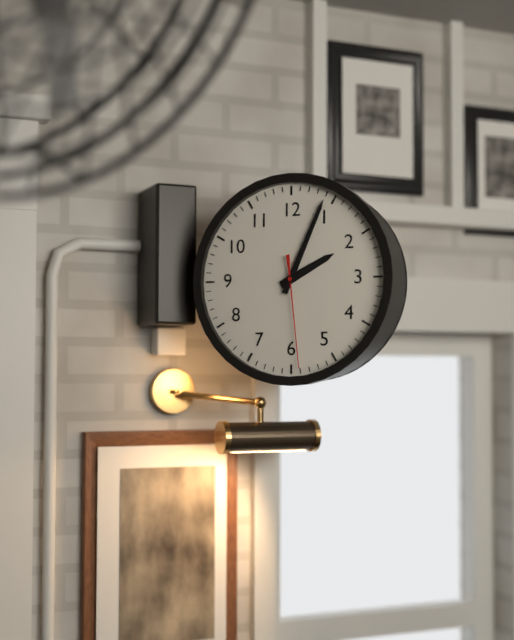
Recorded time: 2:04:29
